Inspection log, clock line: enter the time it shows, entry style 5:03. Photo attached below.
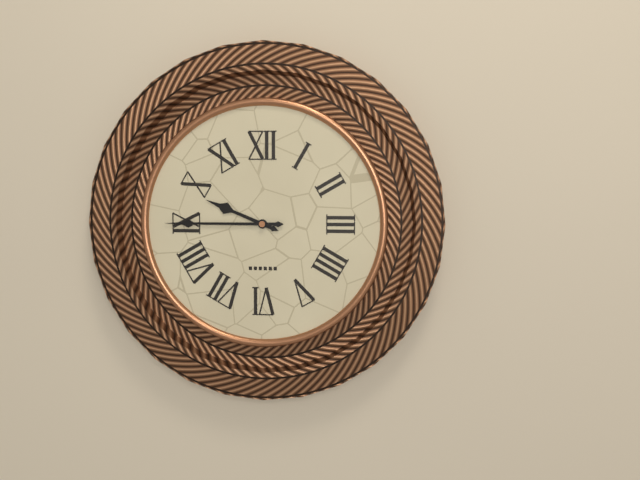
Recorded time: 9:45
